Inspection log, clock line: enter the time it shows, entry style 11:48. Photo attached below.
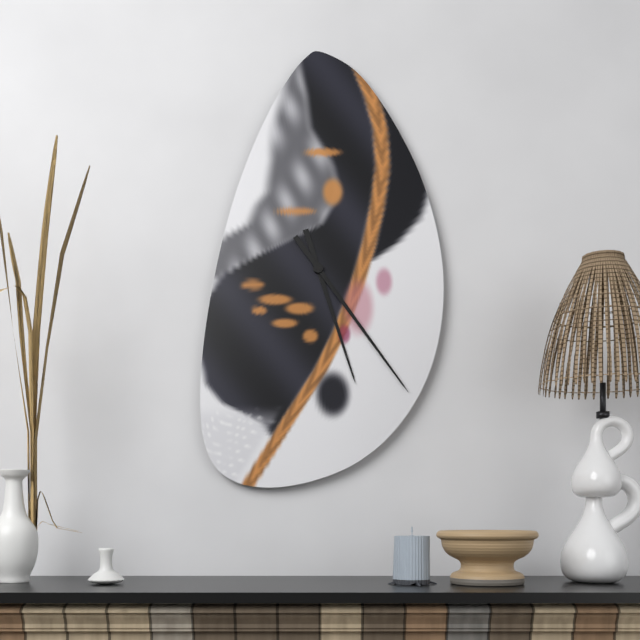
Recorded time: 5:24
